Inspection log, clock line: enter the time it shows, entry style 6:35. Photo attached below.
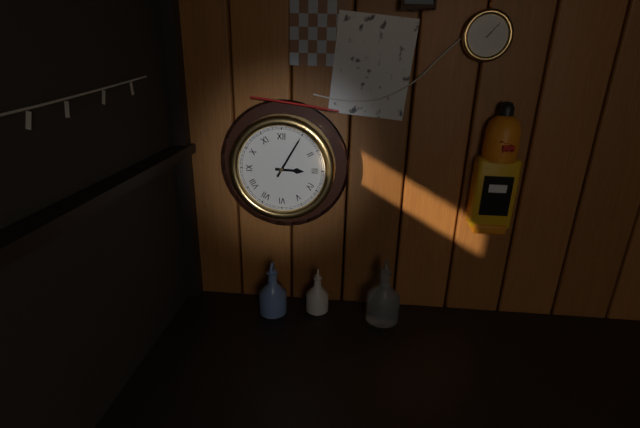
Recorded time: 3:05
